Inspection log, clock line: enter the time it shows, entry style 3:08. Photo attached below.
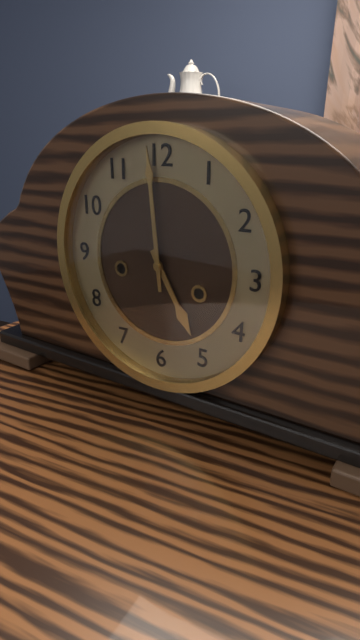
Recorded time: 4:59
